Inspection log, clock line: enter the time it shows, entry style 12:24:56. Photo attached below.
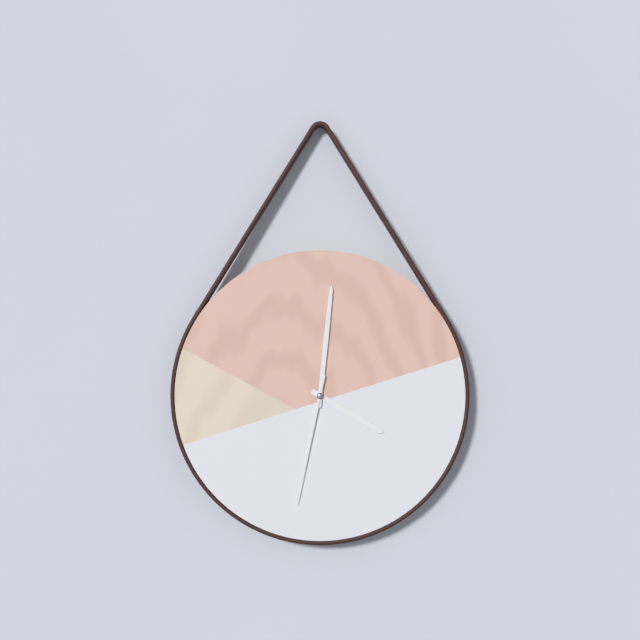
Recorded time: 4:01:32
